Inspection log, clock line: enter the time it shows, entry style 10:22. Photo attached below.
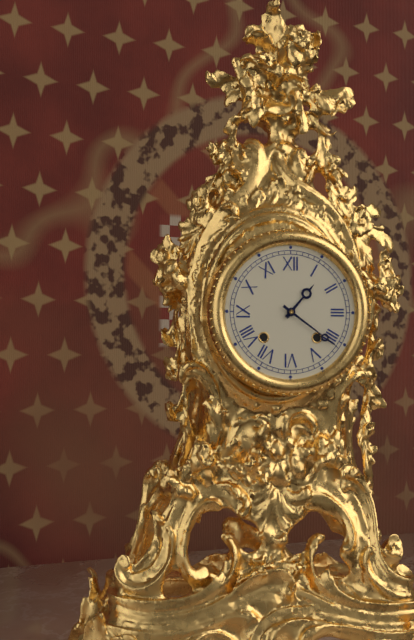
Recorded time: 1:21
